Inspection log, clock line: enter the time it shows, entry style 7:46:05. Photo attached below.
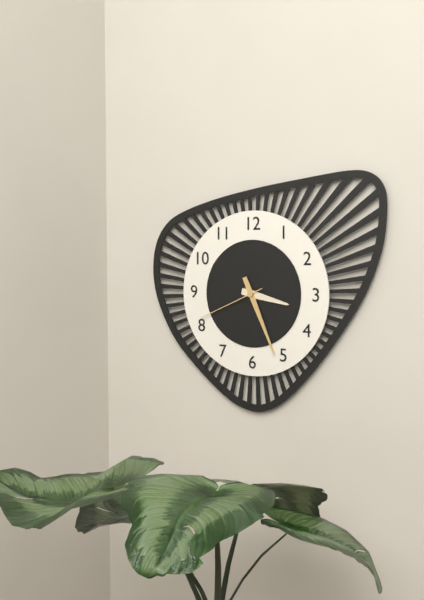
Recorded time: 3:26:41
